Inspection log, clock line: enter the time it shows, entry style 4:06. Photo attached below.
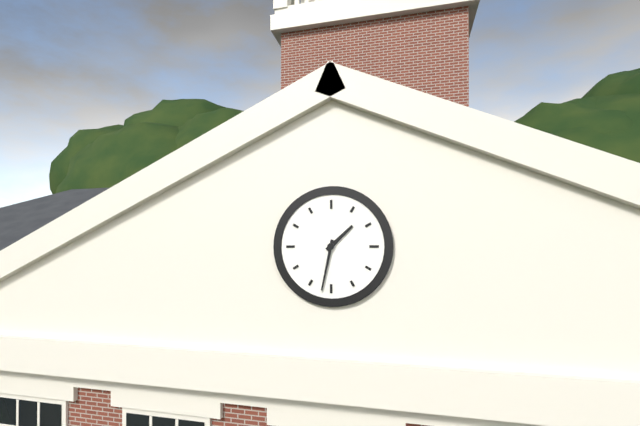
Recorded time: 1:32
